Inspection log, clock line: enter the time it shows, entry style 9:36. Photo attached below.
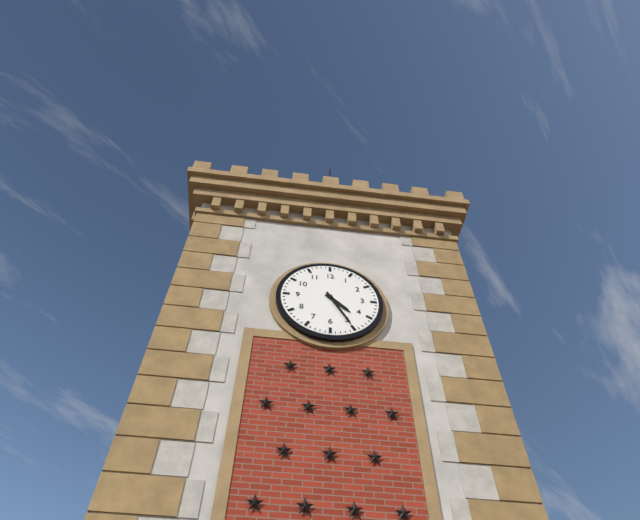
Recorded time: 4:25
